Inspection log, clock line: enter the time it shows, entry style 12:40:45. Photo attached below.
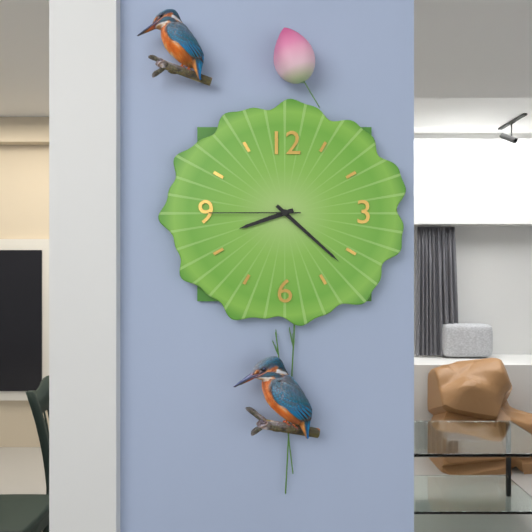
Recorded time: 8:22:45
